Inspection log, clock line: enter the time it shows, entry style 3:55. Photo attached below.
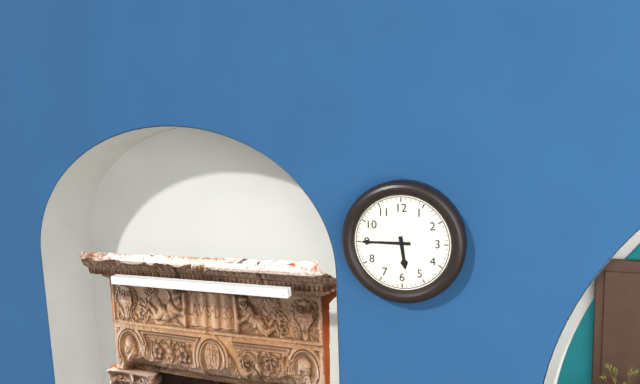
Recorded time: 5:45
